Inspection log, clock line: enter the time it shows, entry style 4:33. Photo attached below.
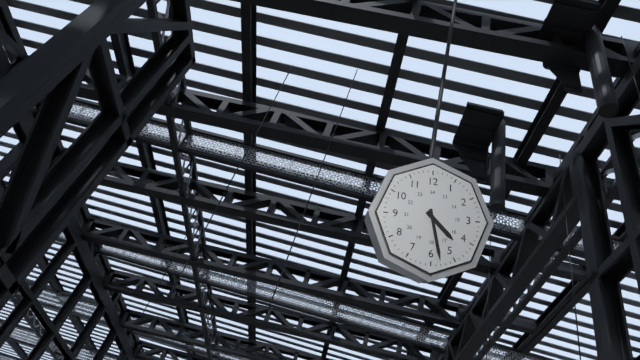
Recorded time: 4:28
